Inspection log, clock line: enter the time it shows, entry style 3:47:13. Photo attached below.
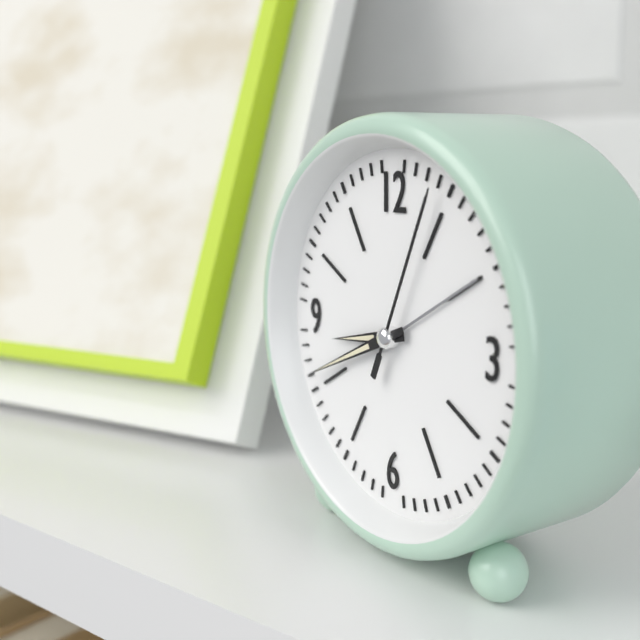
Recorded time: 8:41:04
